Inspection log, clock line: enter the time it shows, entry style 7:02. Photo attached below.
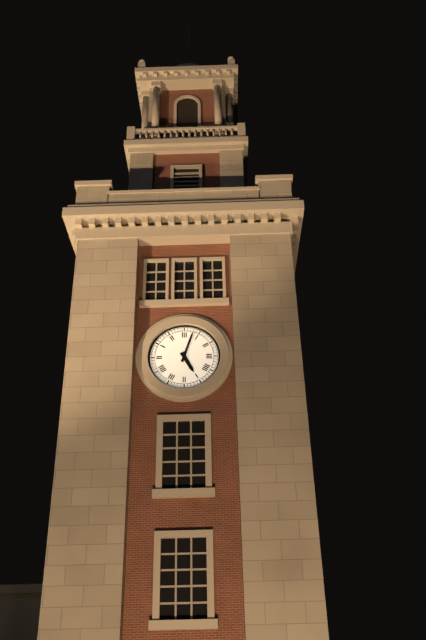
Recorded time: 5:03
